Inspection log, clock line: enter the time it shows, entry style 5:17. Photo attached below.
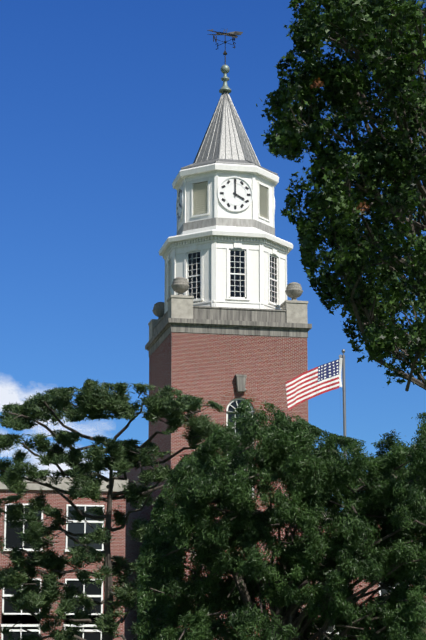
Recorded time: 4:00
